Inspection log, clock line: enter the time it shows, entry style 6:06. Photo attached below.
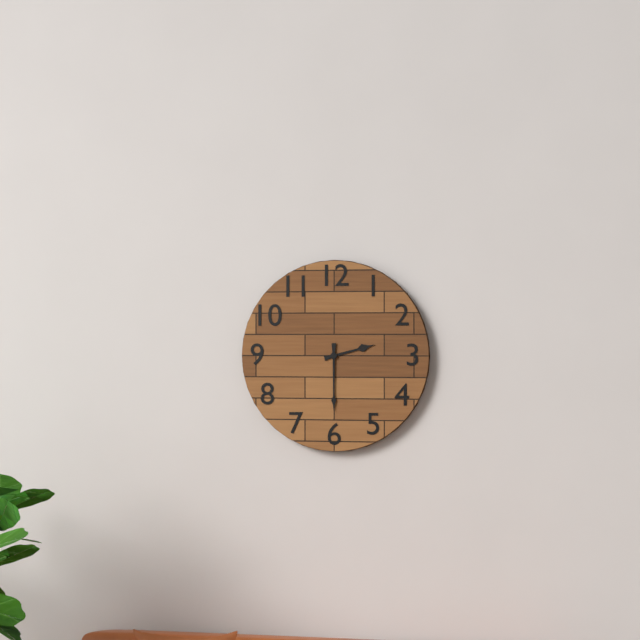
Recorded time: 2:30
